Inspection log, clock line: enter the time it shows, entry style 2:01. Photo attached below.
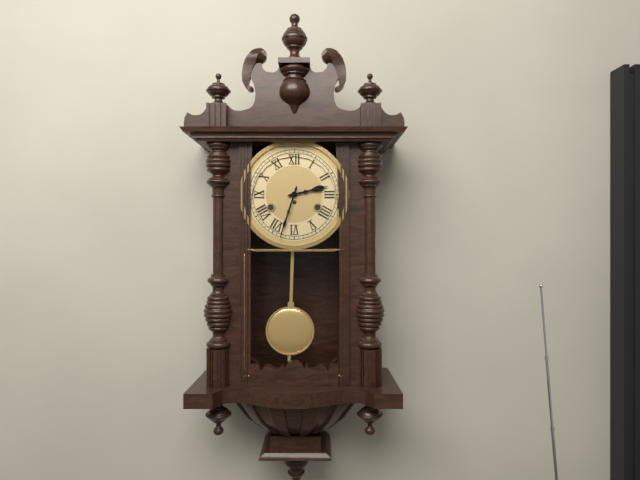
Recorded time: 2:33
